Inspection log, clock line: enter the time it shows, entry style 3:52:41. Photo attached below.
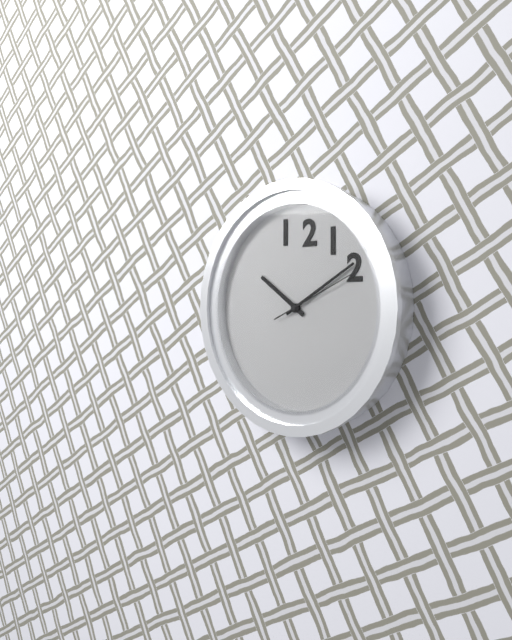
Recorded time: 10:10:11
